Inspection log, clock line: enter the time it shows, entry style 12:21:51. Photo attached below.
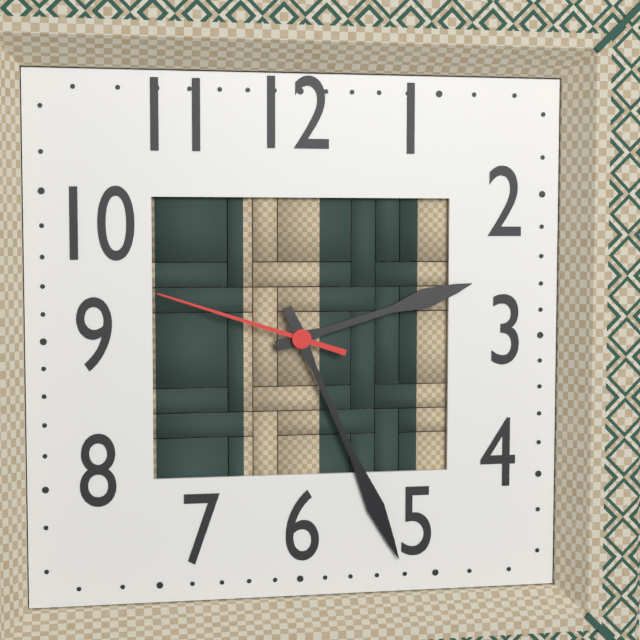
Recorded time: 2:26:48
